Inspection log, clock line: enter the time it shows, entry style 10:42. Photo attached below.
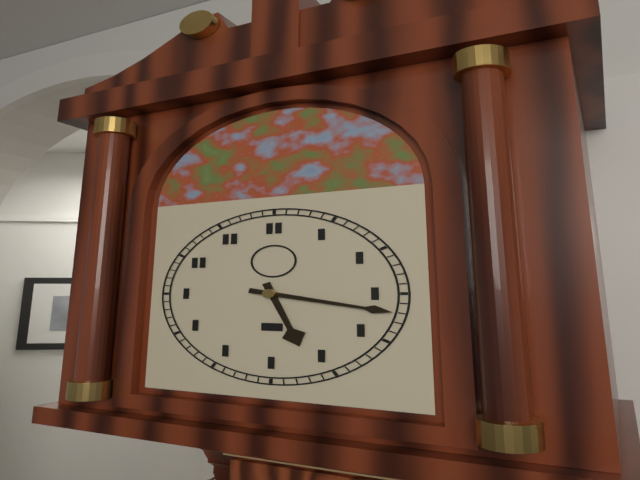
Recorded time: 5:17
